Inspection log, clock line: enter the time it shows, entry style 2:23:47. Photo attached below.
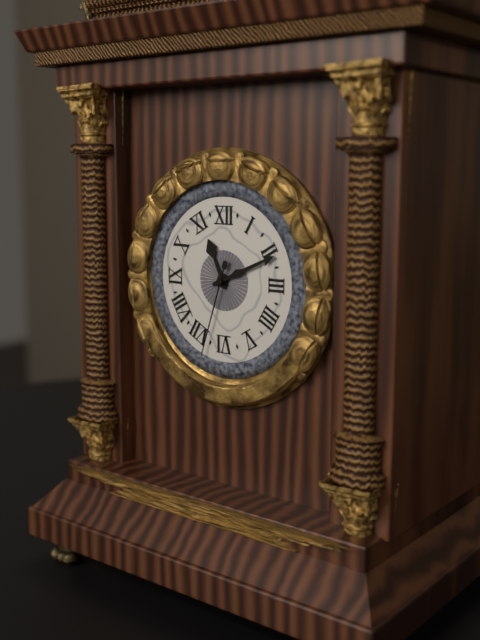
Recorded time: 11:11:33
